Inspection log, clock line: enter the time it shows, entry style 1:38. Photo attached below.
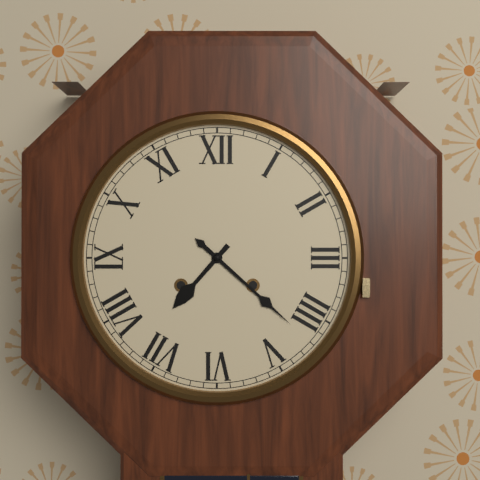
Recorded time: 7:22
